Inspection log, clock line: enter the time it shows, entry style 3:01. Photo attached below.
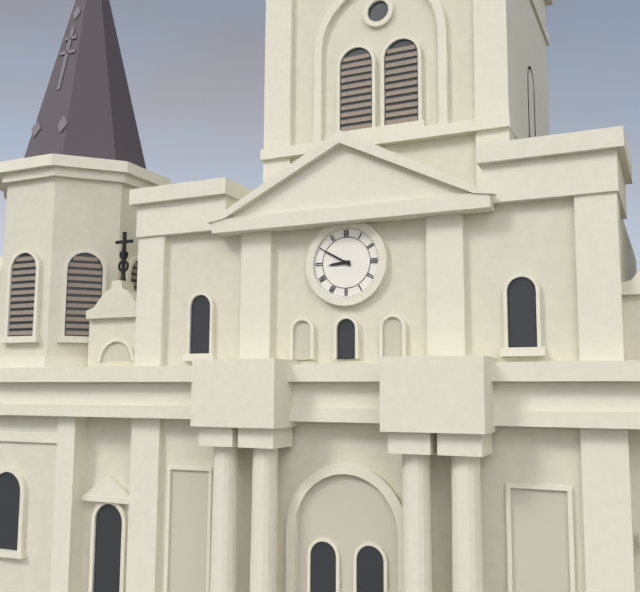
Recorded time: 8:50
